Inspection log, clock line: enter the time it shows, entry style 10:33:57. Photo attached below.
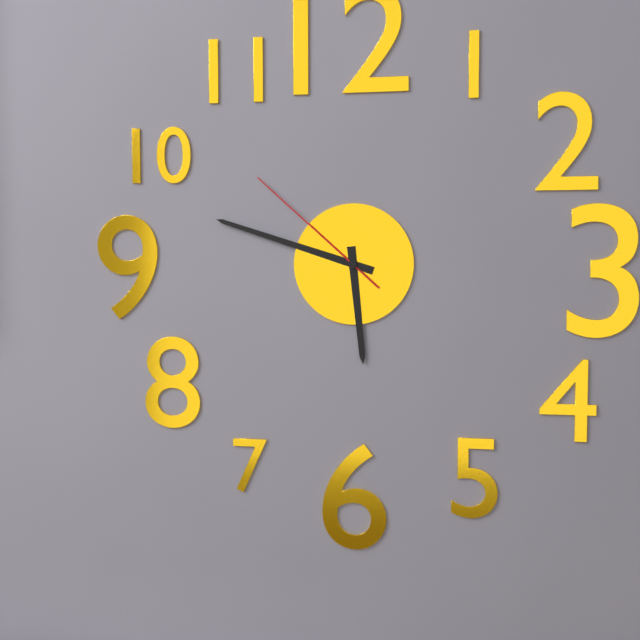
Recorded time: 5:48:52
